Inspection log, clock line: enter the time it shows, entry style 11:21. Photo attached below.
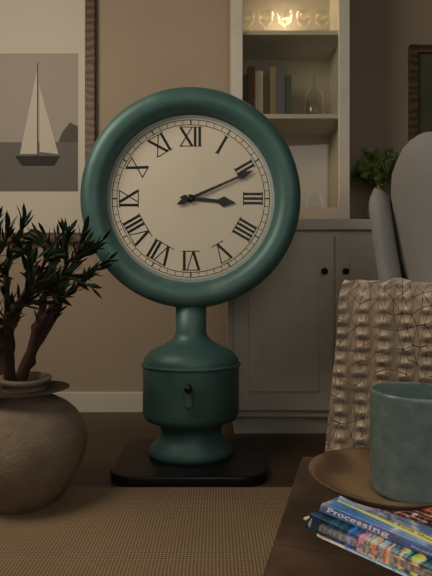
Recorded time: 3:11
